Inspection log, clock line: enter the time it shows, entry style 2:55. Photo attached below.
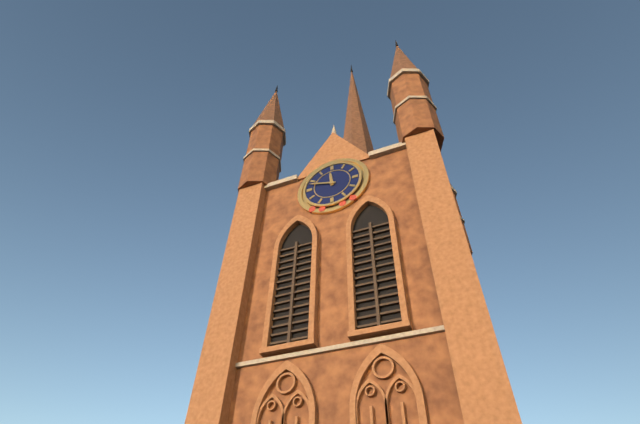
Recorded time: 11:48
